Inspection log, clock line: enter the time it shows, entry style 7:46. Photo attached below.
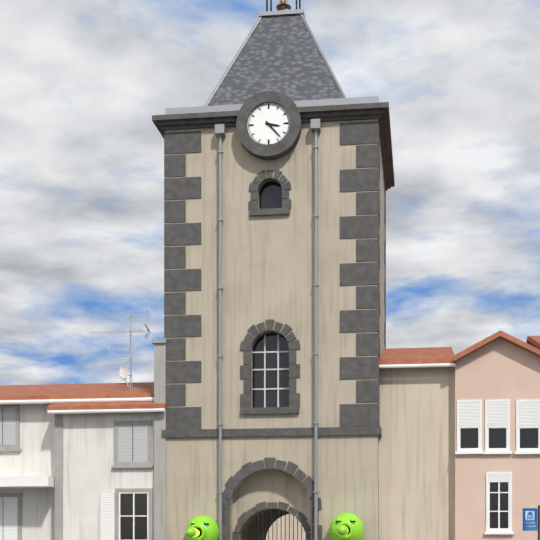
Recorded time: 3:23
